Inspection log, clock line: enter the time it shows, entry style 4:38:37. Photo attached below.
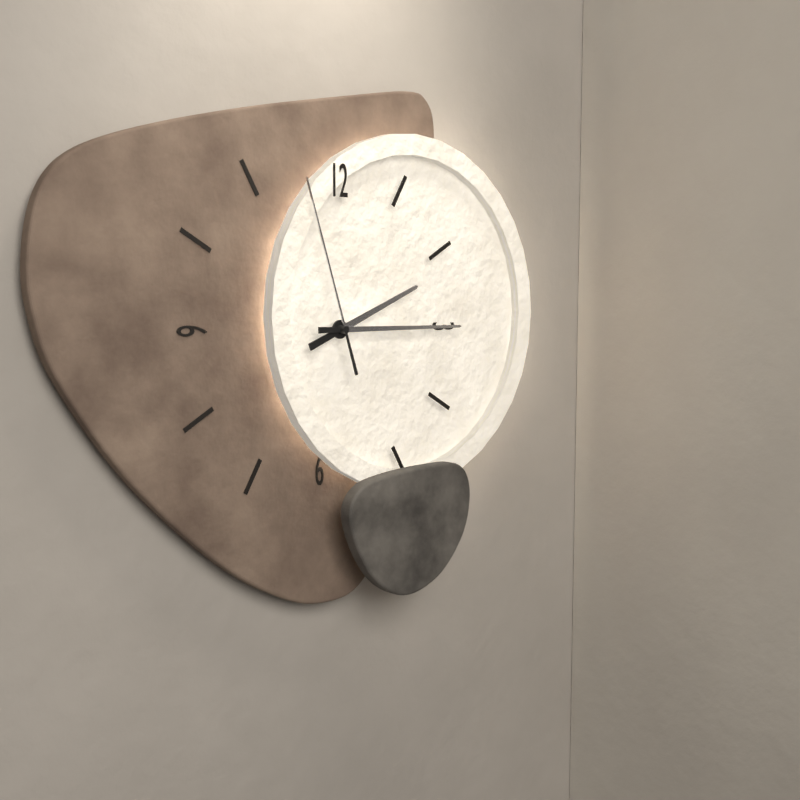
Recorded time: 2:15:57
